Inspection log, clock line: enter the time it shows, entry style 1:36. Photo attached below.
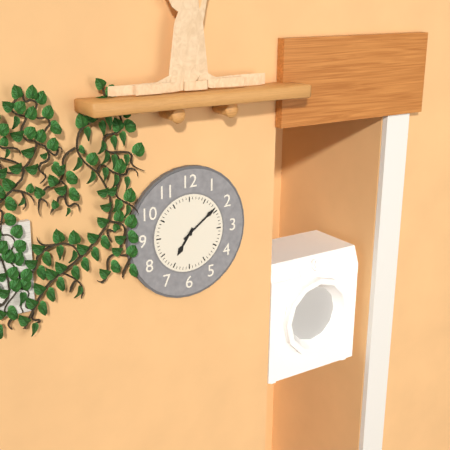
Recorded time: 7:09
